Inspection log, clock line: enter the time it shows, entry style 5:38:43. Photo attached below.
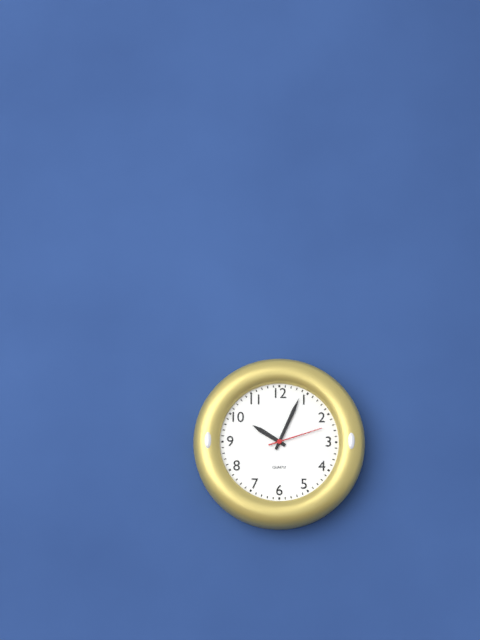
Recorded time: 10:04:12
